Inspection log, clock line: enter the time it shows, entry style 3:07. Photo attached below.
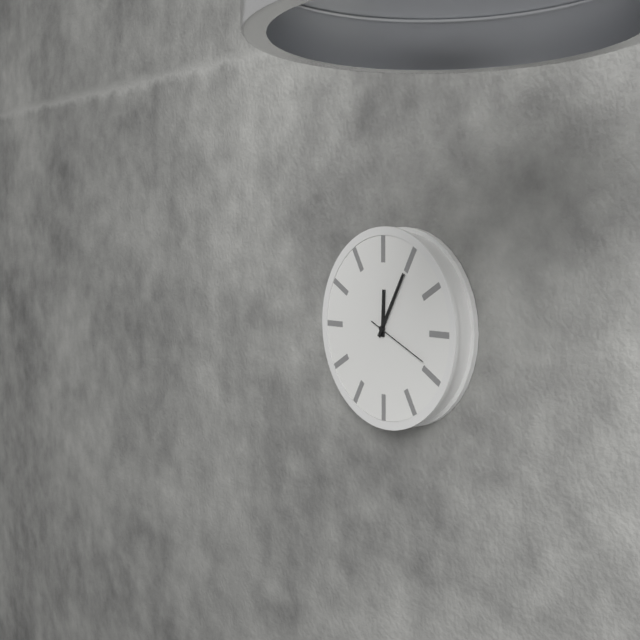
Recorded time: 12:05
